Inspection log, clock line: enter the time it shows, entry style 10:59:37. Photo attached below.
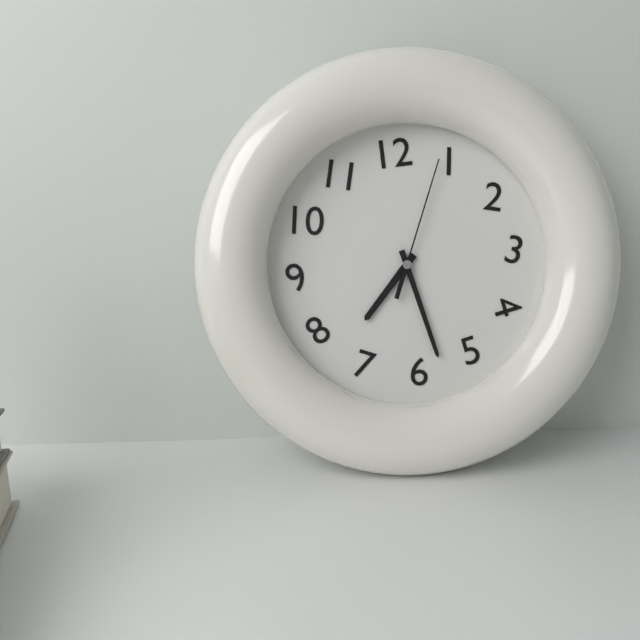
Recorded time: 7:28:04
